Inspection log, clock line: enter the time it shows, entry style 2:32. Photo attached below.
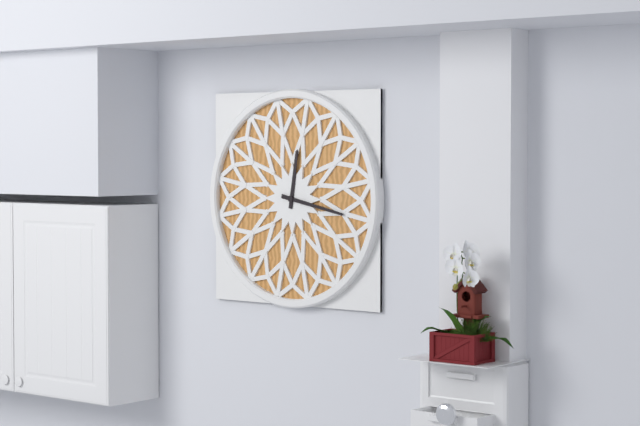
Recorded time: 12:17
